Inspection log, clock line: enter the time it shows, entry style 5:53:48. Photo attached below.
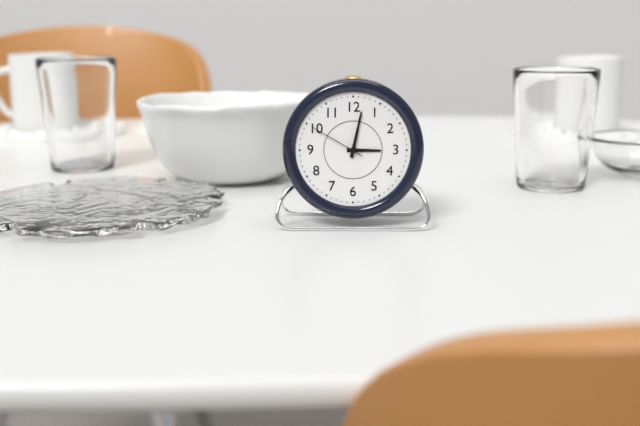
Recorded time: 3:02:50
